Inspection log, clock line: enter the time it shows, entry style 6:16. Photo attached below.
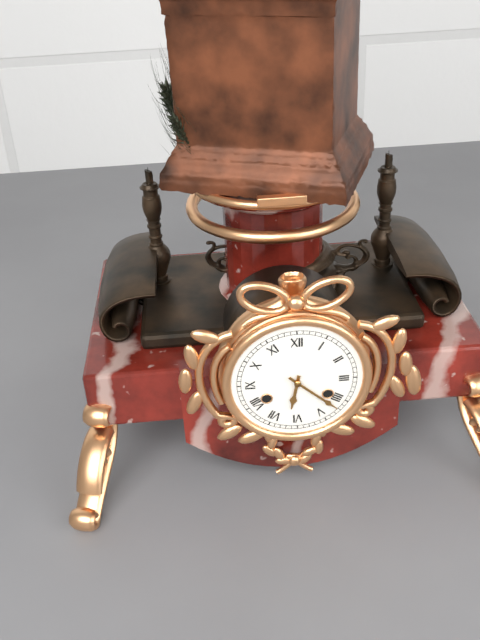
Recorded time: 6:22
